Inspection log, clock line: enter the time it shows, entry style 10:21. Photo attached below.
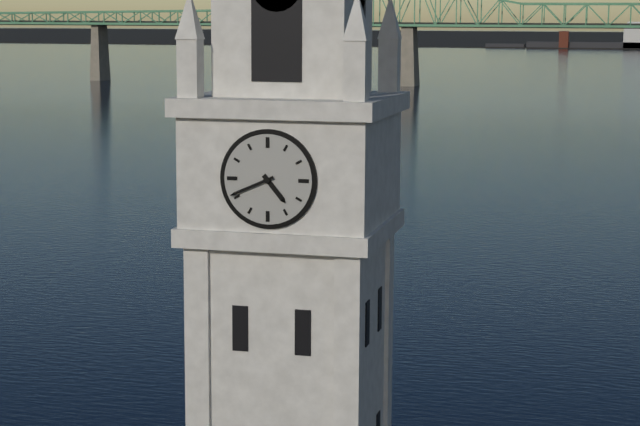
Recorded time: 4:41
